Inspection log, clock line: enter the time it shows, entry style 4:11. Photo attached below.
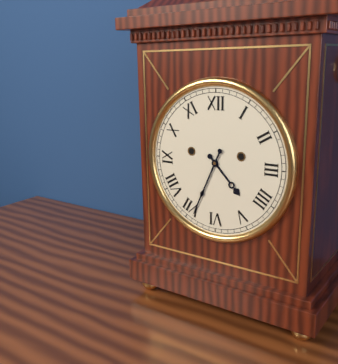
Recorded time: 4:34
